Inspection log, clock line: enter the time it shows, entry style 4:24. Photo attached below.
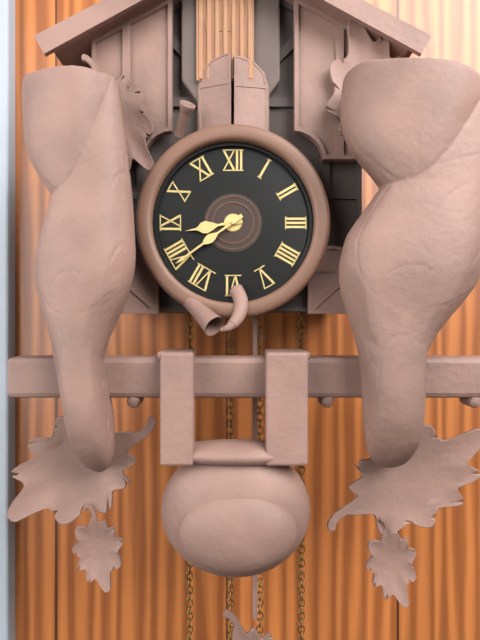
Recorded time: 8:39
